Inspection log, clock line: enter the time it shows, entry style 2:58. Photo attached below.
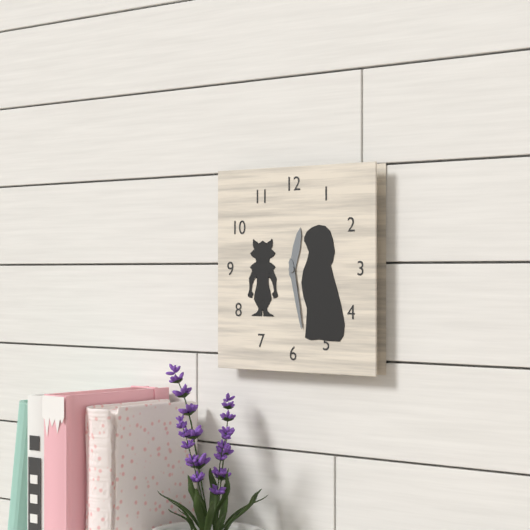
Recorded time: 12:28
